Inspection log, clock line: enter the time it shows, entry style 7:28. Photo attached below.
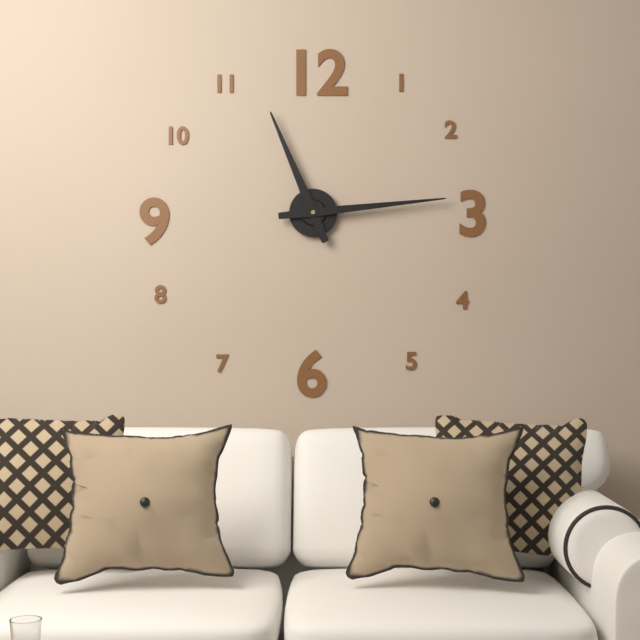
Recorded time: 11:14
